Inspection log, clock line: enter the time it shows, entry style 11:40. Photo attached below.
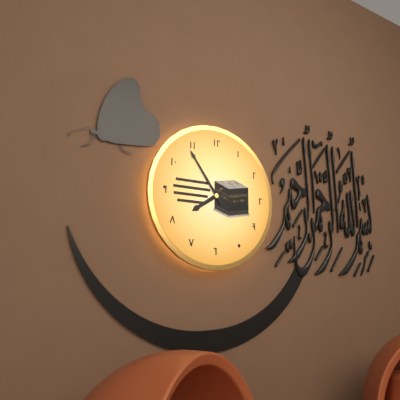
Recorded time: 7:54
